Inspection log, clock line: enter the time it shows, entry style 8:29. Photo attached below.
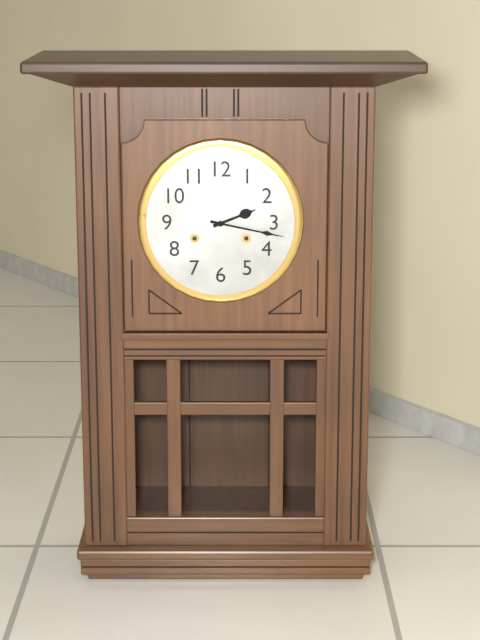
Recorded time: 2:17
